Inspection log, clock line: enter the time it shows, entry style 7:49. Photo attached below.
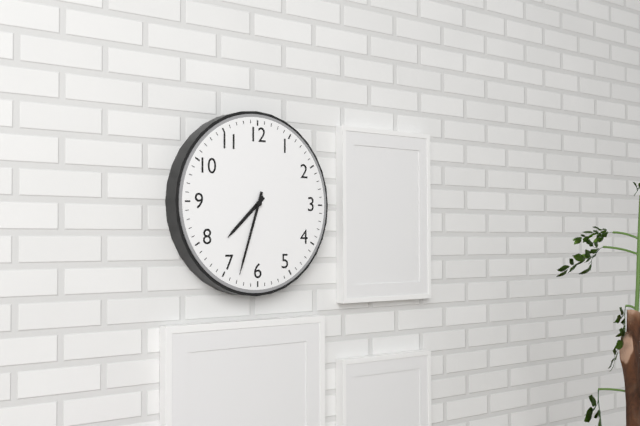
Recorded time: 7:33
